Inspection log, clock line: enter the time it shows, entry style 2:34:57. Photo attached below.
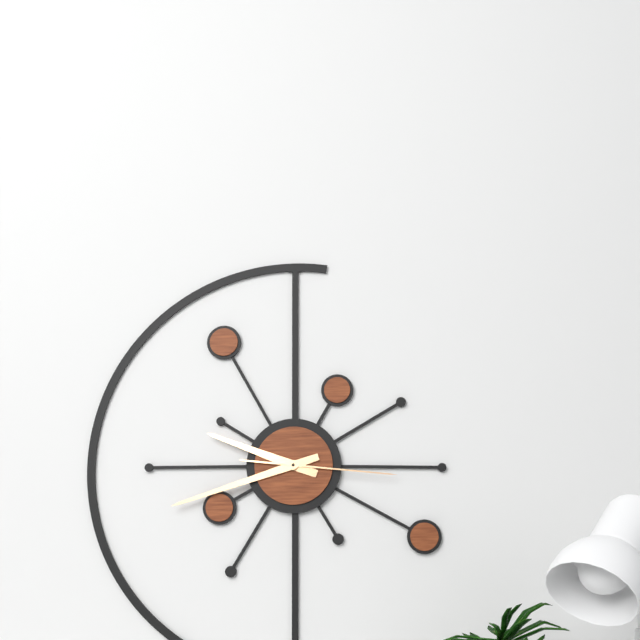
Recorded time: 9:42:16
